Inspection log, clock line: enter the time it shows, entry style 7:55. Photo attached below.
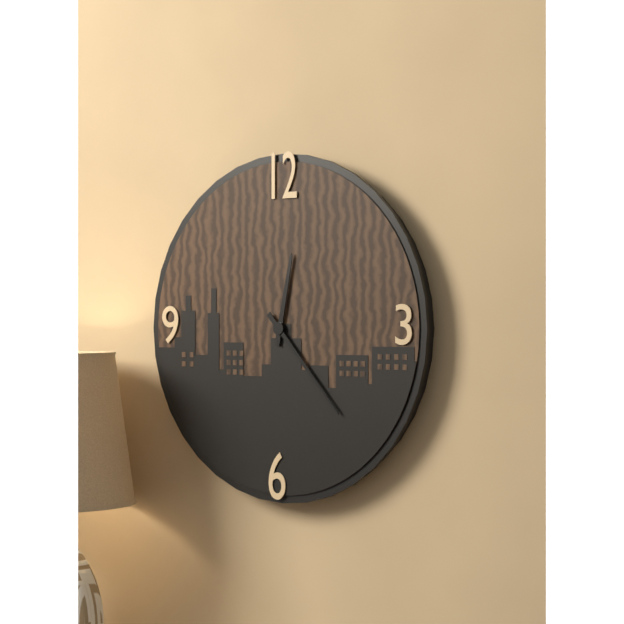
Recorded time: 12:23
